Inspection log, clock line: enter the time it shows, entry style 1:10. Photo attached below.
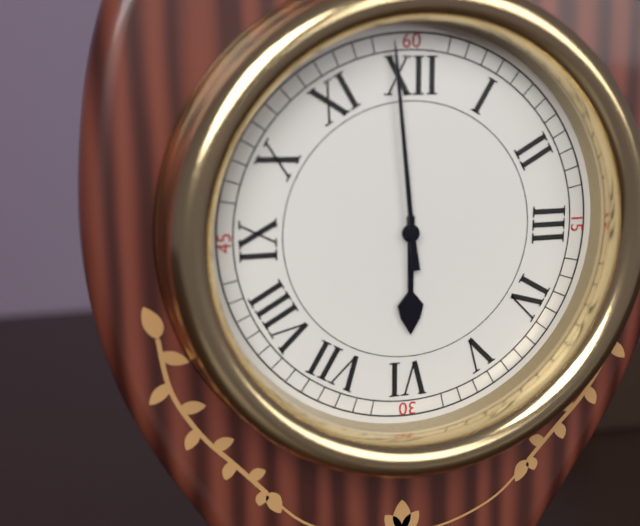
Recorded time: 5:59
